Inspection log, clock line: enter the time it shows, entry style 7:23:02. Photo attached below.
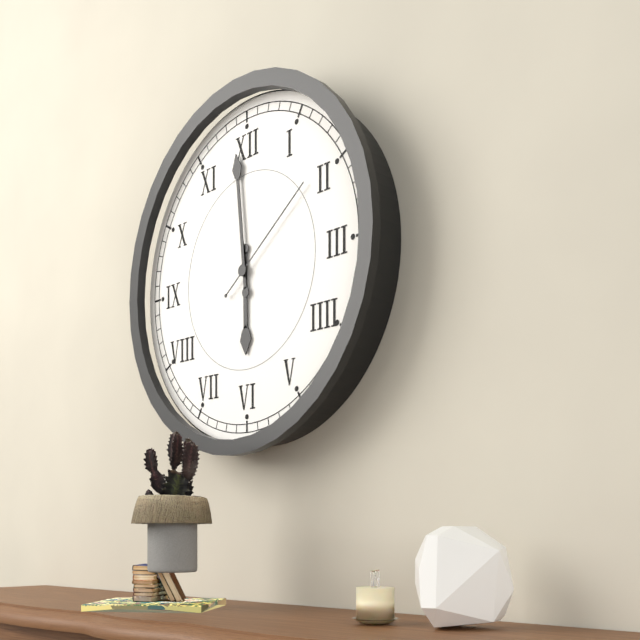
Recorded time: 5:59:09
